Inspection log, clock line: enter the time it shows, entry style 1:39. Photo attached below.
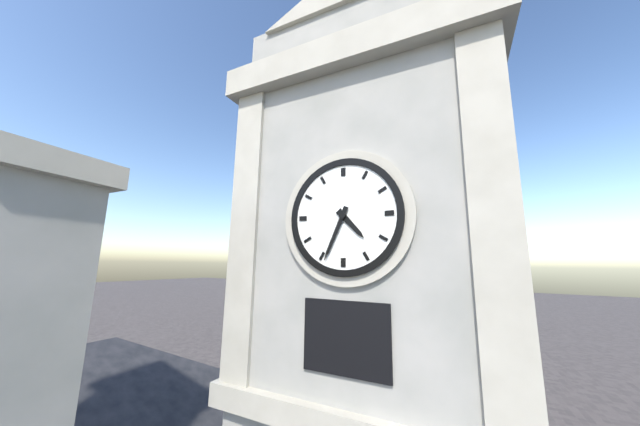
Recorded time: 4:34
